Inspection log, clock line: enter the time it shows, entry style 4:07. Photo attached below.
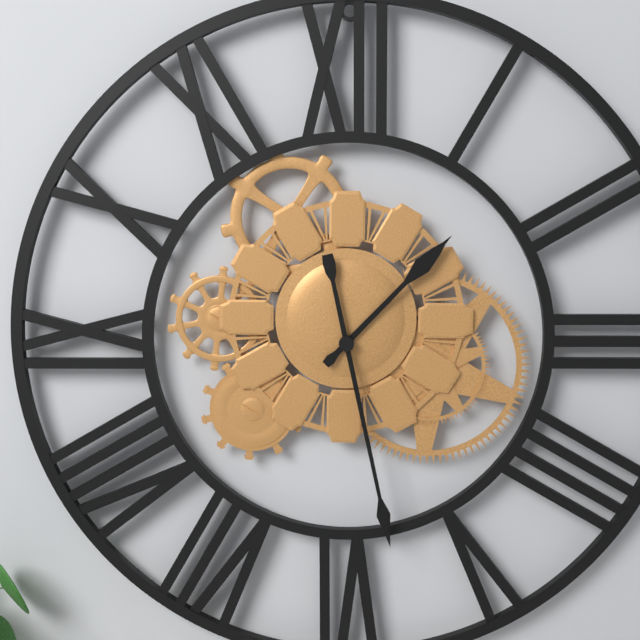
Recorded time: 1:28
